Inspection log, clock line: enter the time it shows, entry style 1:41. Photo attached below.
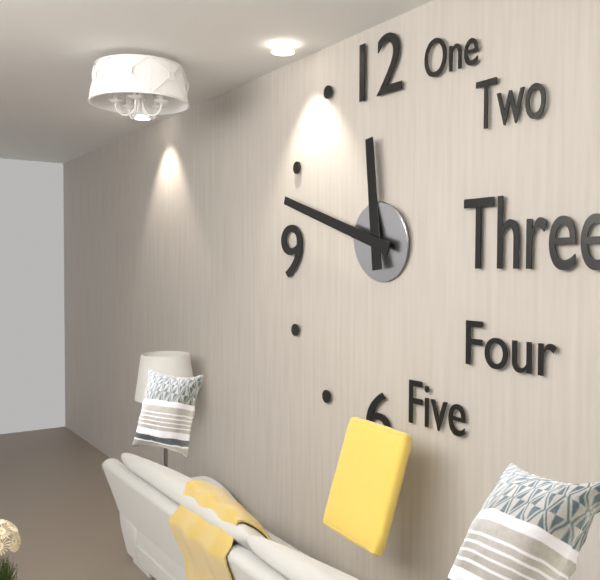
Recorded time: 11:48
